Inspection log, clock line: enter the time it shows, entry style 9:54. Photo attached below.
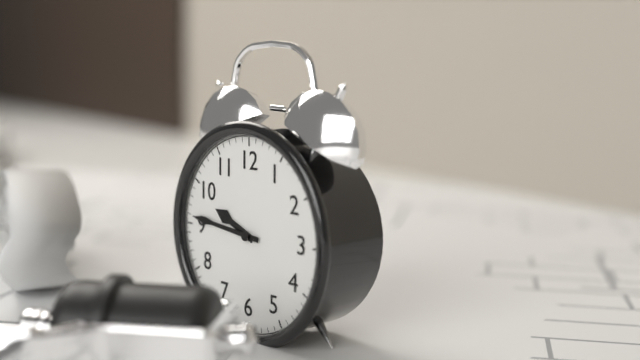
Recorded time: 9:46
